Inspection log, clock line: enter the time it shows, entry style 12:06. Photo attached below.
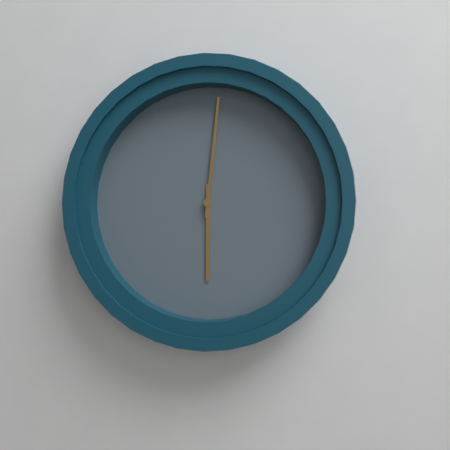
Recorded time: 6:01
